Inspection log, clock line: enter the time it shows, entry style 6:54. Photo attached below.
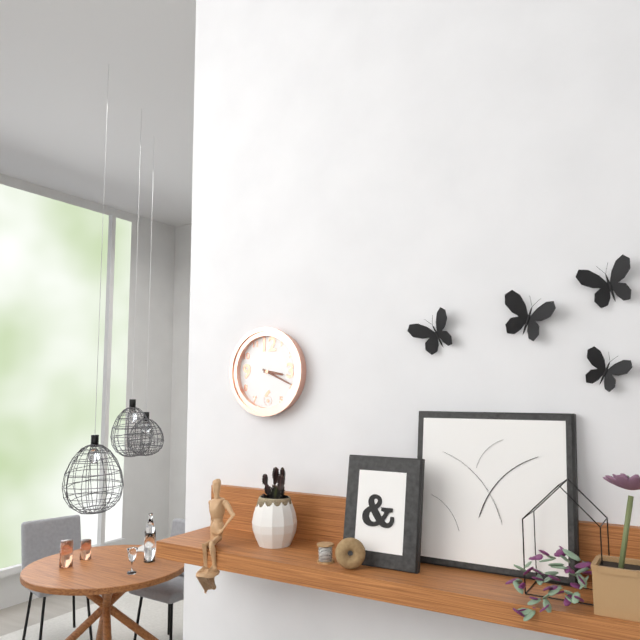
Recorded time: 3:19
